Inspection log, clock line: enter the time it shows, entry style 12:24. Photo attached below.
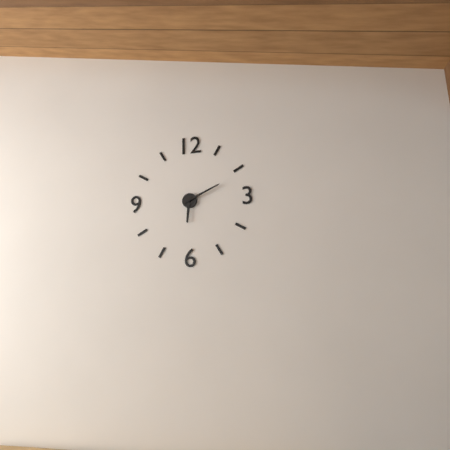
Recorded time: 6:11
